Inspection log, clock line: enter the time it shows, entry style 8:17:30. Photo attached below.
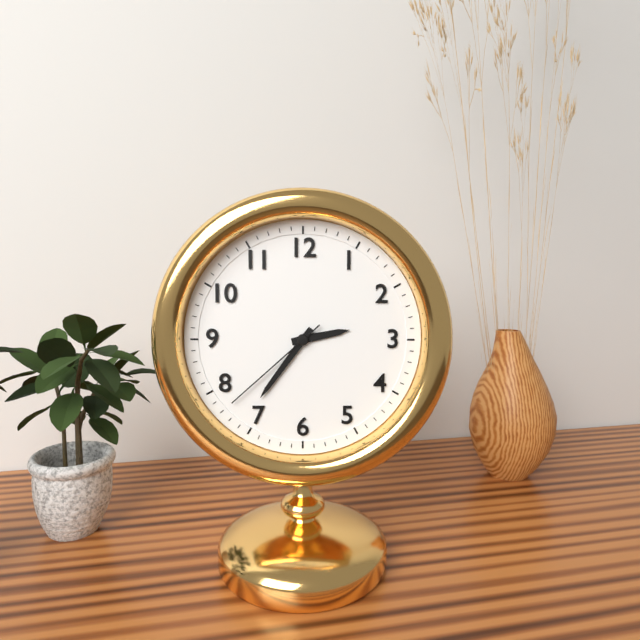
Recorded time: 2:36:38
